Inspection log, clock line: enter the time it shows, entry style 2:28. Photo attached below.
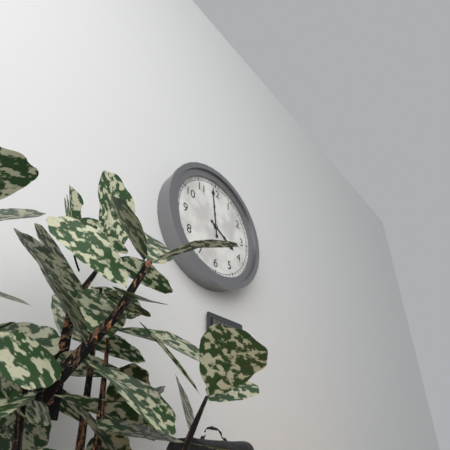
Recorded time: 3:59
